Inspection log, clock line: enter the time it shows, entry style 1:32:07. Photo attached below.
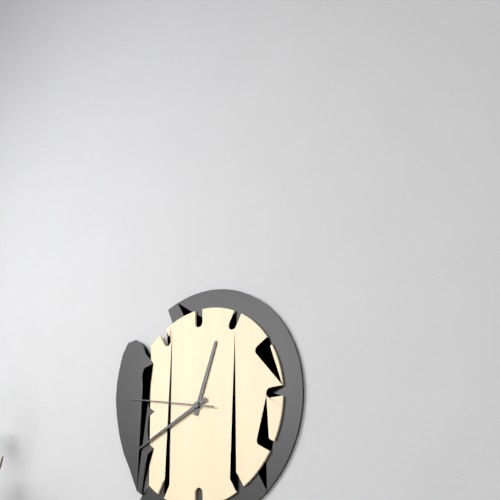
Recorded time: 12:41:47
